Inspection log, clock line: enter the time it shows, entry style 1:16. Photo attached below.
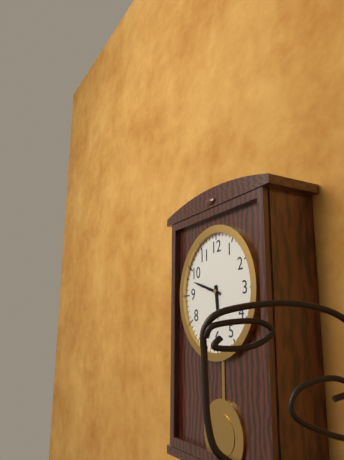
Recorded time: 5:48
